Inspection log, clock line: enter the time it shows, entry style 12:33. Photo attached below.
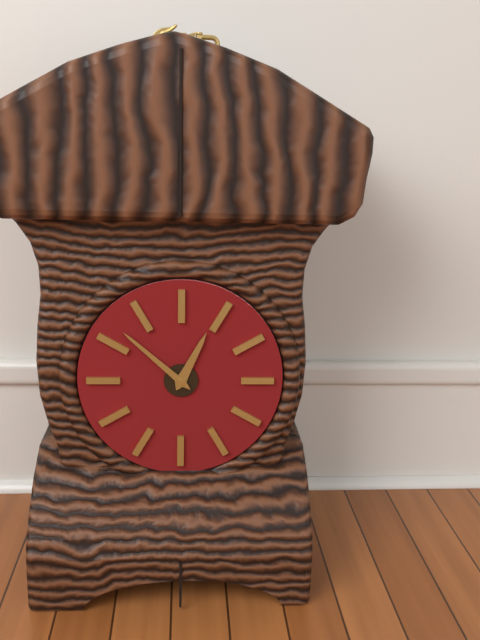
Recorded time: 12:52
